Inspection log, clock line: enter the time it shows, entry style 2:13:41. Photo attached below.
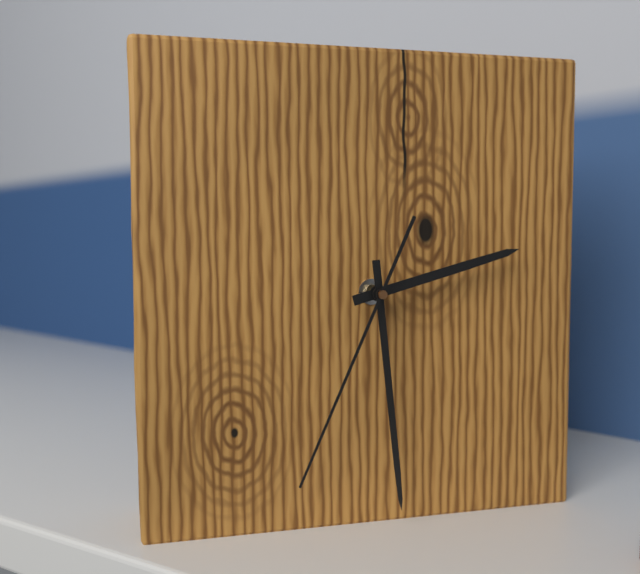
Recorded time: 2:29:34
